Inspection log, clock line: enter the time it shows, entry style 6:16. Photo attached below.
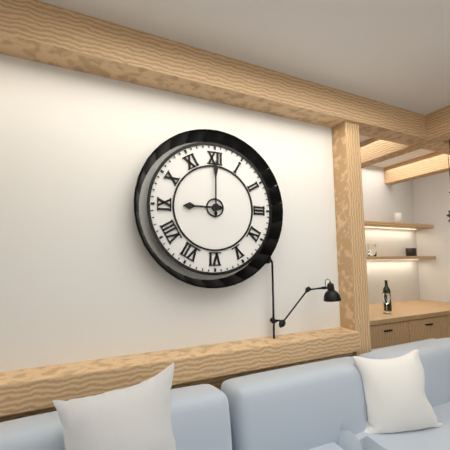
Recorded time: 9:00
